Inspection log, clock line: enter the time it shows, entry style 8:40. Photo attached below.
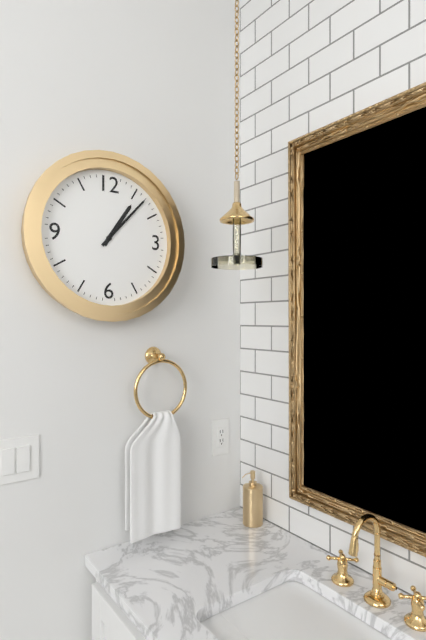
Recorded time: 1:07
